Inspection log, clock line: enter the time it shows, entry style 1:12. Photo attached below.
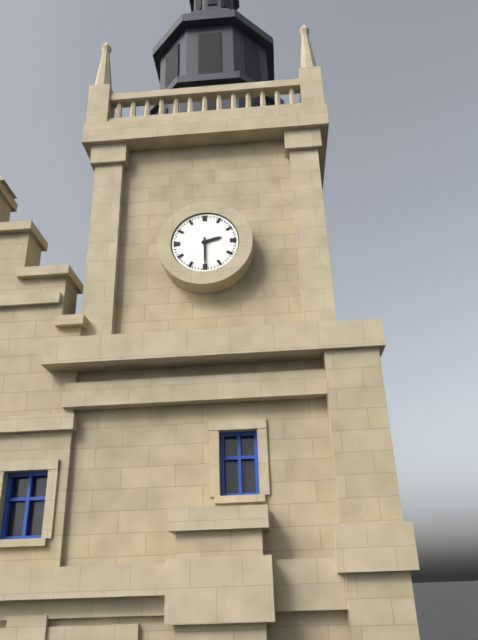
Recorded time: 2:30
